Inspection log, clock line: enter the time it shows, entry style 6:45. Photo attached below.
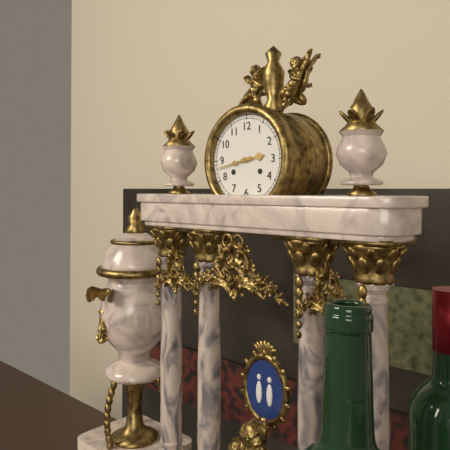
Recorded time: 2:43
